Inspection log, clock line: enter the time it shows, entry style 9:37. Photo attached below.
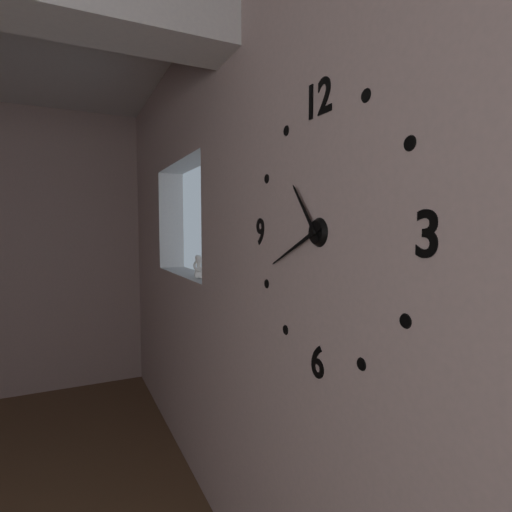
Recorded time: 10:41
